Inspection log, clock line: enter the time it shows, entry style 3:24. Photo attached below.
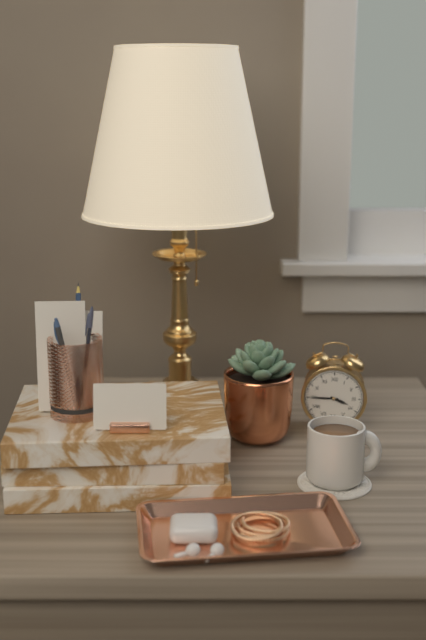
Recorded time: 3:45
